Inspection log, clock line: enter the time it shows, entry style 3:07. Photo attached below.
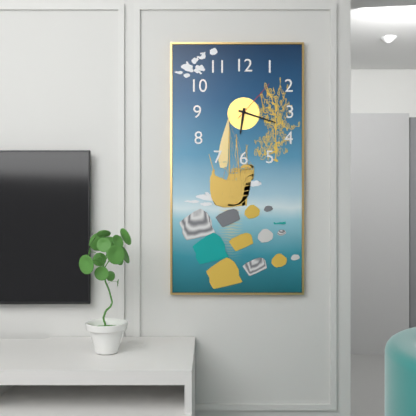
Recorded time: 6:18
